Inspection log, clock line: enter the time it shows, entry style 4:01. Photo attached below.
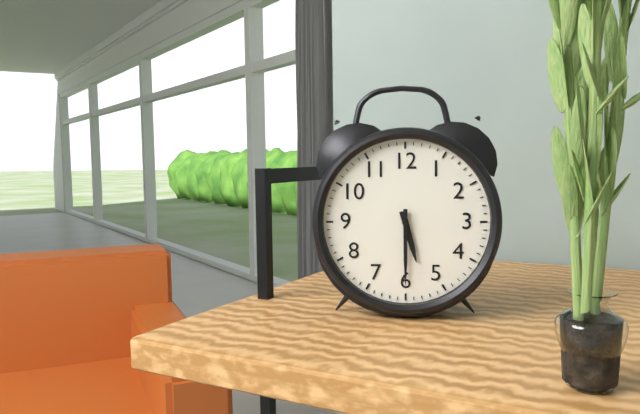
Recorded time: 5:30
